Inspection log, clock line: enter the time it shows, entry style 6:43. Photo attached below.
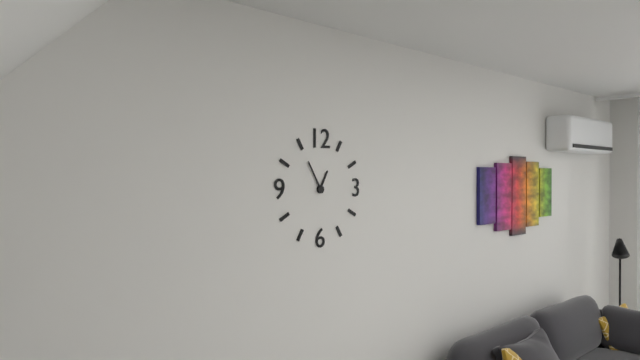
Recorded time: 12:55
